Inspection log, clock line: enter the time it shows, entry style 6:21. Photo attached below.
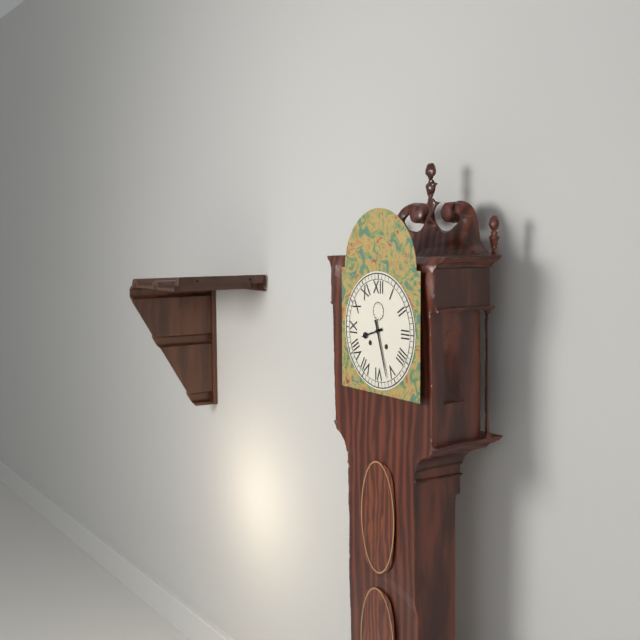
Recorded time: 8:27
